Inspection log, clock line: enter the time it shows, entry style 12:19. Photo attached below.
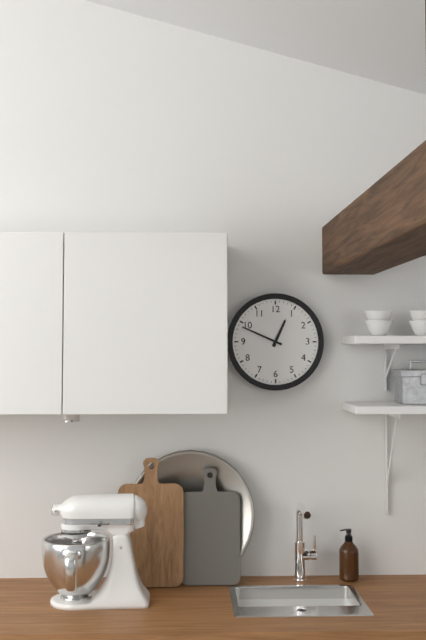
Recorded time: 12:49
